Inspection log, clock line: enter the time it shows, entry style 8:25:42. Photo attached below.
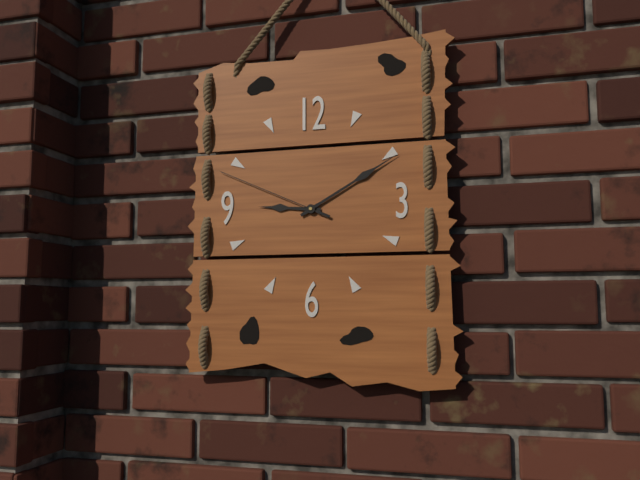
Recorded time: 9:10:49
